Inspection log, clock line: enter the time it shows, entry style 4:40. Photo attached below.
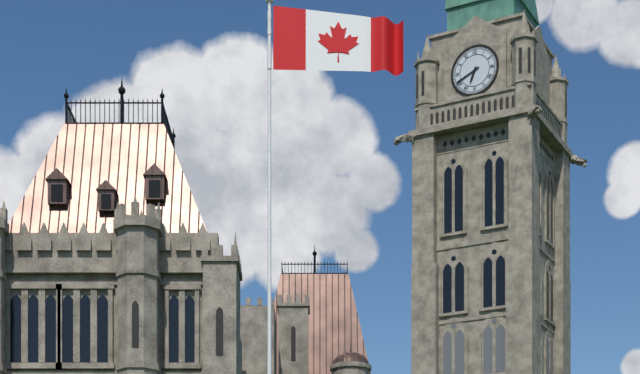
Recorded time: 6:41
